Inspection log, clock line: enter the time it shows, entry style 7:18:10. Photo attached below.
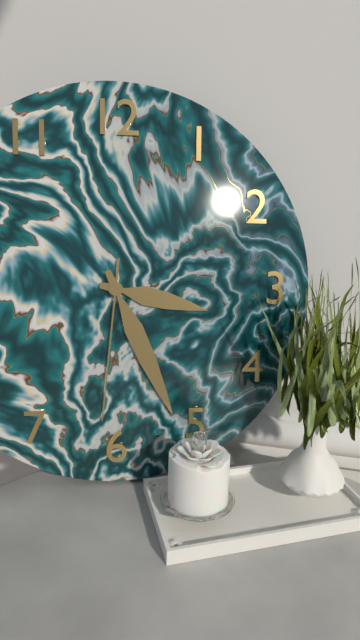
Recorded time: 3:26:31
